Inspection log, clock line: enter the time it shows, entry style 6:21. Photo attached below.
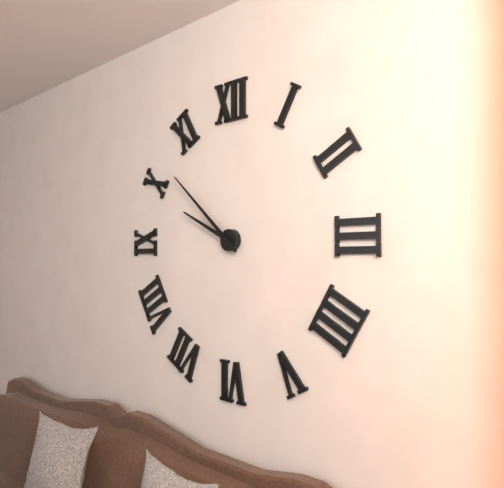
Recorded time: 9:52
